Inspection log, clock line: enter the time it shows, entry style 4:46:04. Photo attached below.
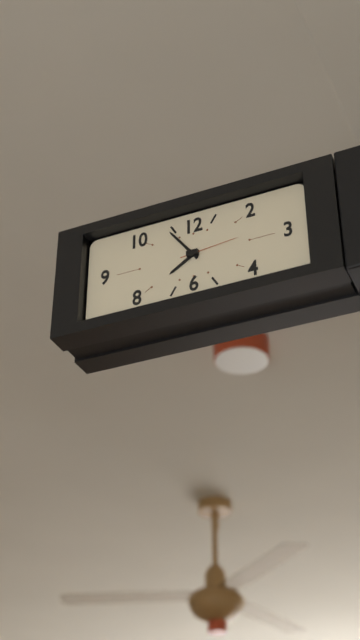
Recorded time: 7:54:14
